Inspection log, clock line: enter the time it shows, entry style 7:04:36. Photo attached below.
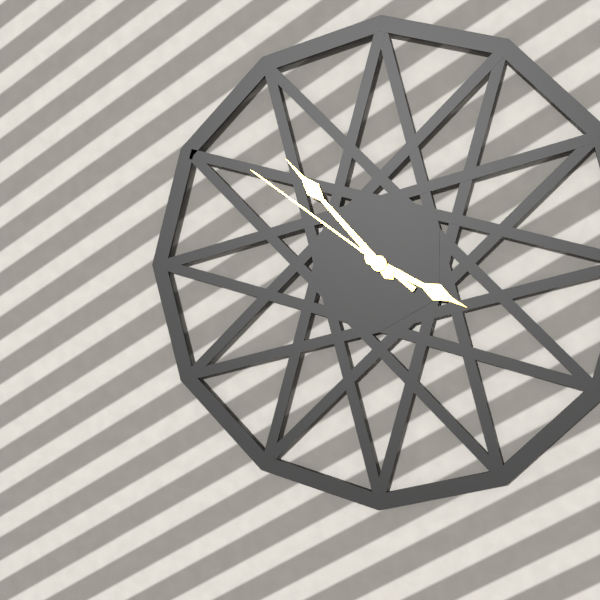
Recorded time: 3:53:51
